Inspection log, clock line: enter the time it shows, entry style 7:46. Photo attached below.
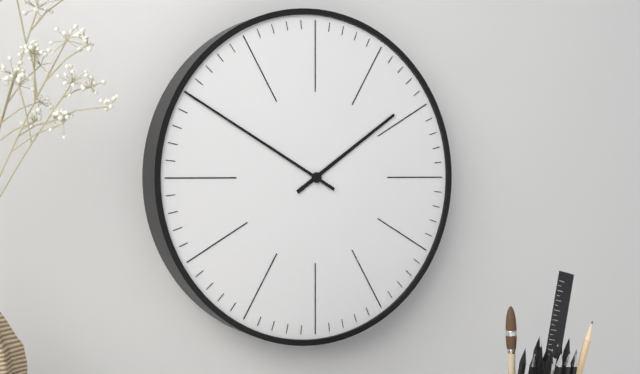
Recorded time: 1:50
